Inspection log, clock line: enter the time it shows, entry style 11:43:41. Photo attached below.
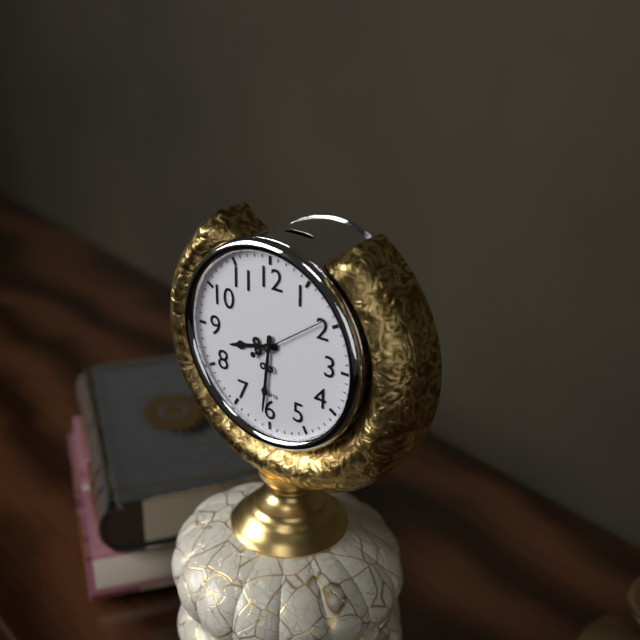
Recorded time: 8:31:09
